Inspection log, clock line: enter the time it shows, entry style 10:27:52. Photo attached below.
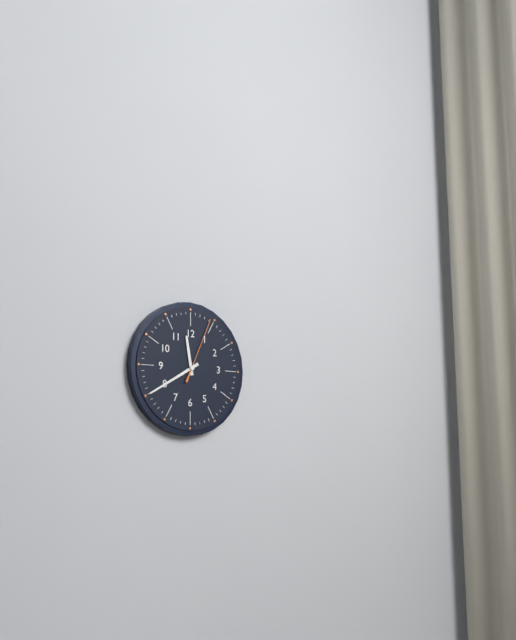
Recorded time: 11:40:04
